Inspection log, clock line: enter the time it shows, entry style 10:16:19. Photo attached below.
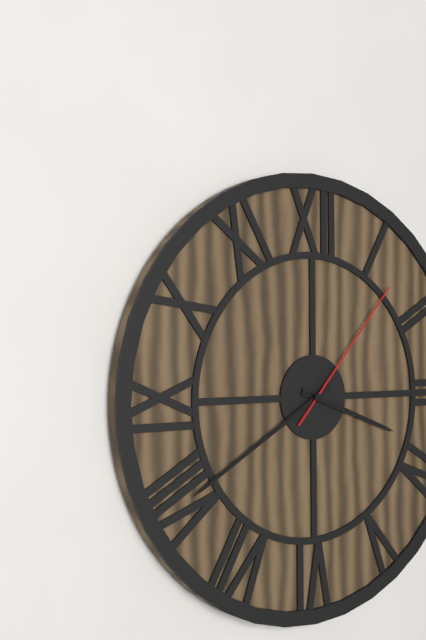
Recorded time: 3:40:07
